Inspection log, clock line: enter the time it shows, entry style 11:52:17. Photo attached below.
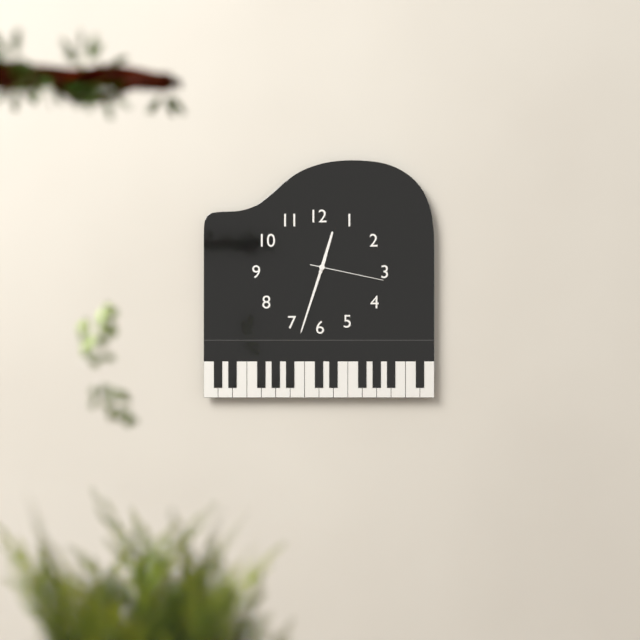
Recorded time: 12:33:17
